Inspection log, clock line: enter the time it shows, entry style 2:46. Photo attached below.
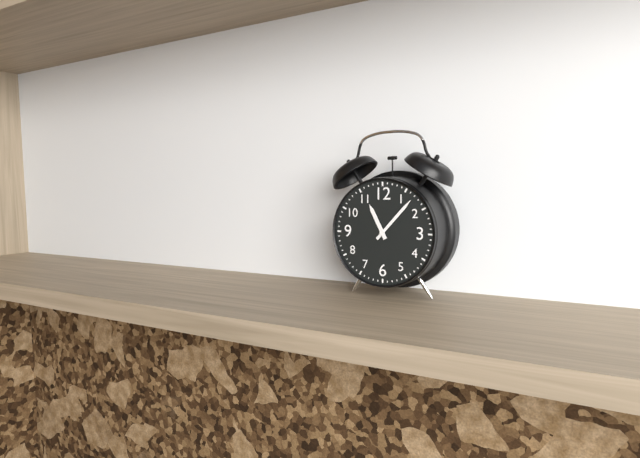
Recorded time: 11:07
